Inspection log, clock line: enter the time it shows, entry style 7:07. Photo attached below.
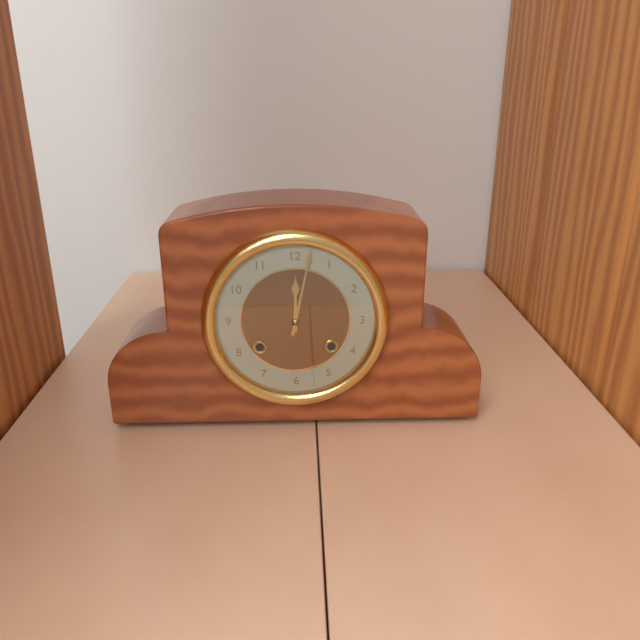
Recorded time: 12:02
